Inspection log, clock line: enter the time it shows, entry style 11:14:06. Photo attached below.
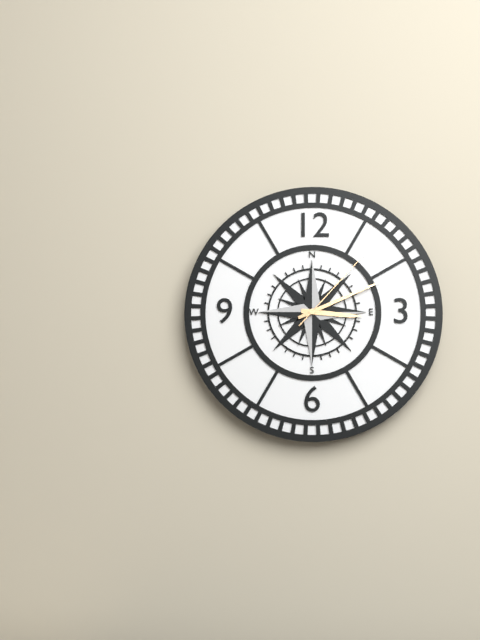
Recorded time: 3:11:07
